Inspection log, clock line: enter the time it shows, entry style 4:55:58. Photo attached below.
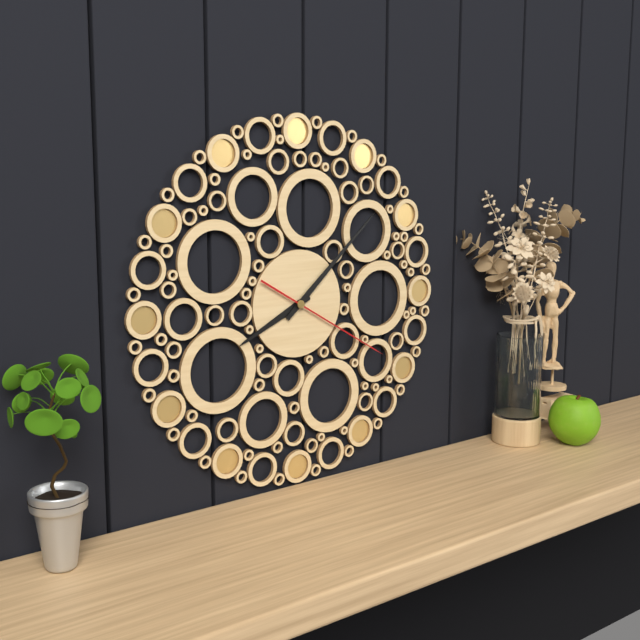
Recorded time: 8:08:20
